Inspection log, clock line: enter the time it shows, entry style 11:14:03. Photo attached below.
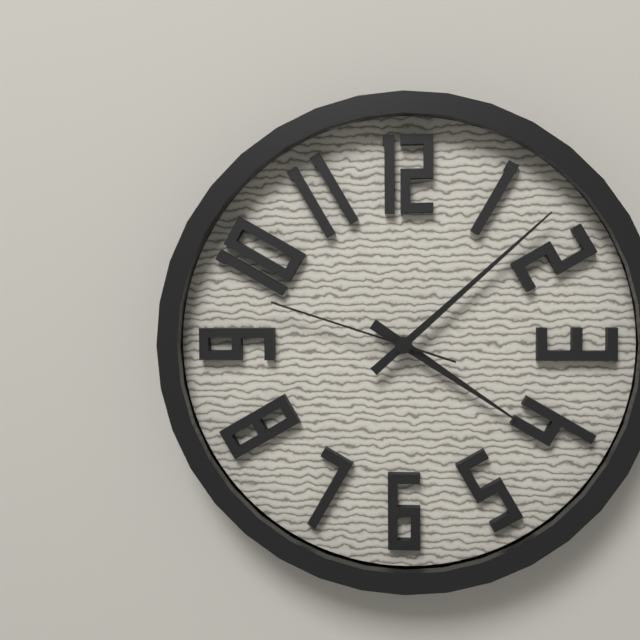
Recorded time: 4:08:48
